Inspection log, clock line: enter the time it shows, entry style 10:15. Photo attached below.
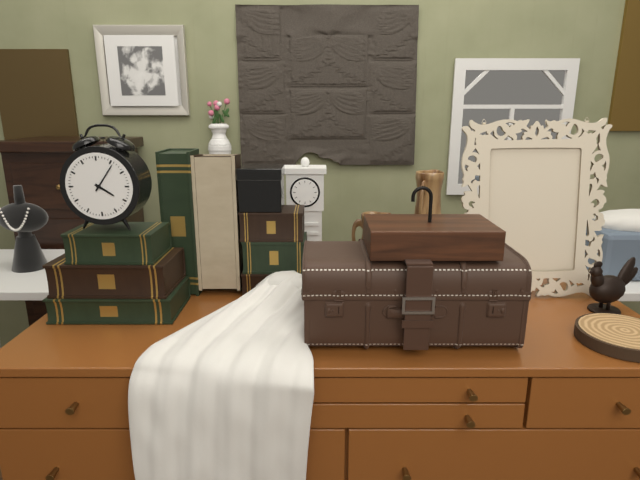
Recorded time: 4:06
